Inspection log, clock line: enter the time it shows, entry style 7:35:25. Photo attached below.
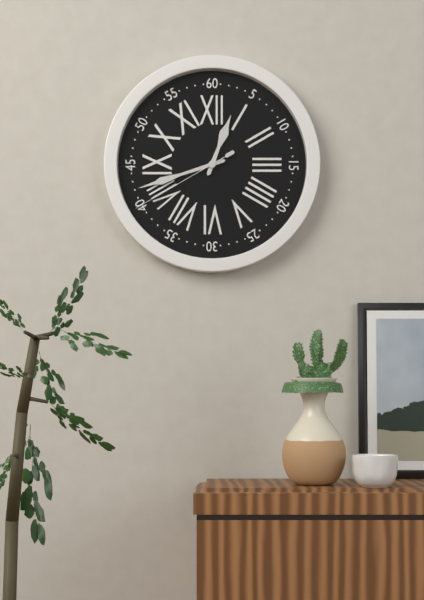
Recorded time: 12:42:40
